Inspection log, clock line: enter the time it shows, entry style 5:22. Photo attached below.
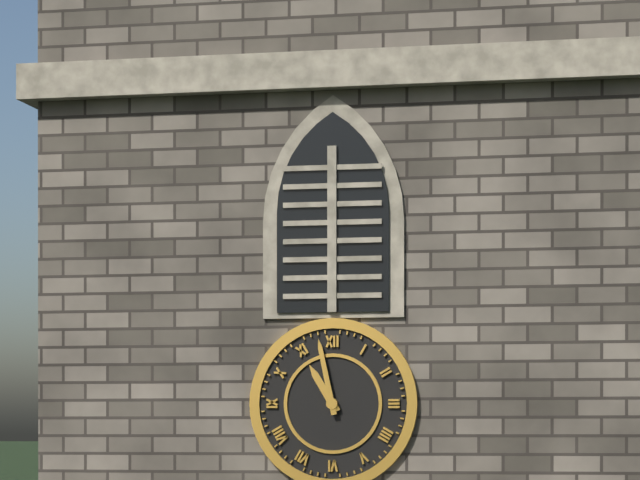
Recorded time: 10:58
